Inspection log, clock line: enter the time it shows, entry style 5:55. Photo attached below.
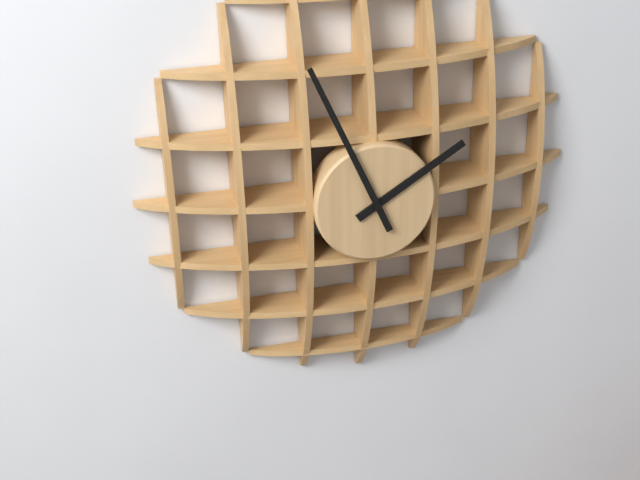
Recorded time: 1:56
